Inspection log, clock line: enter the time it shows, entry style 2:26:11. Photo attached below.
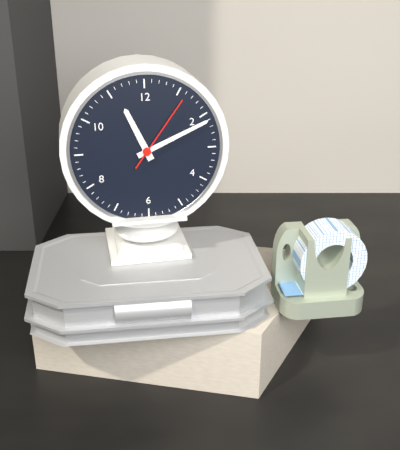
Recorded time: 11:11:06
